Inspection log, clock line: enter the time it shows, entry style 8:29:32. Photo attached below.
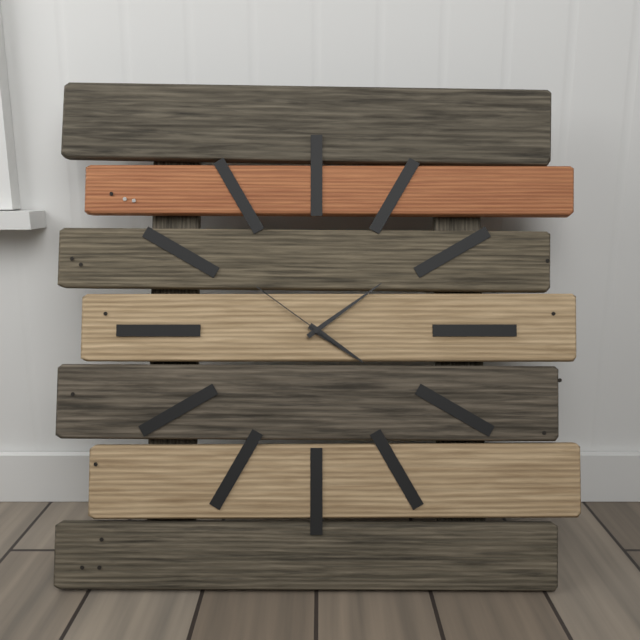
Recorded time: 4:09:51
